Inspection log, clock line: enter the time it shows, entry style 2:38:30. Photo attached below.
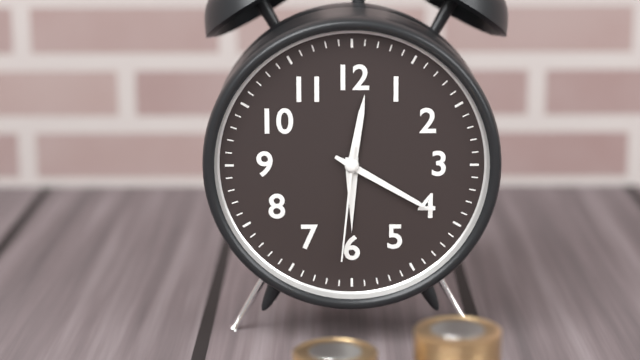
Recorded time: 12:20:31
